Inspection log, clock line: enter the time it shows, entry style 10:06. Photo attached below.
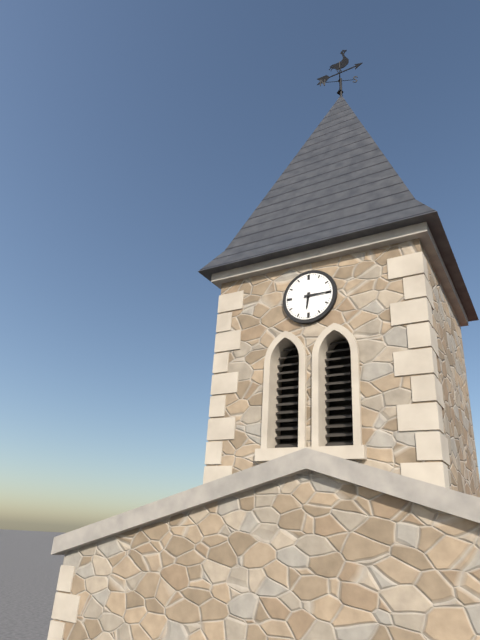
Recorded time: 6:15
